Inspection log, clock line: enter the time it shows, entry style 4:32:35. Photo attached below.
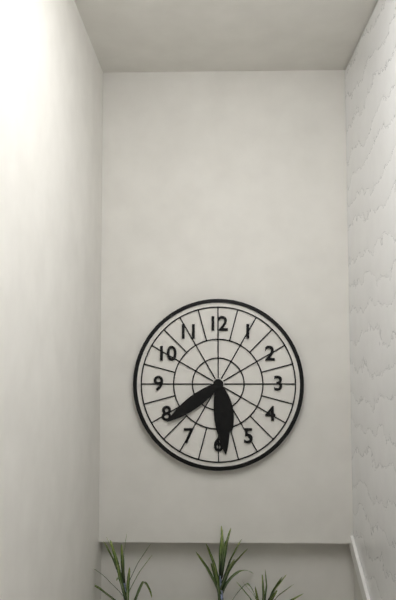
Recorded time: 5:29:39
